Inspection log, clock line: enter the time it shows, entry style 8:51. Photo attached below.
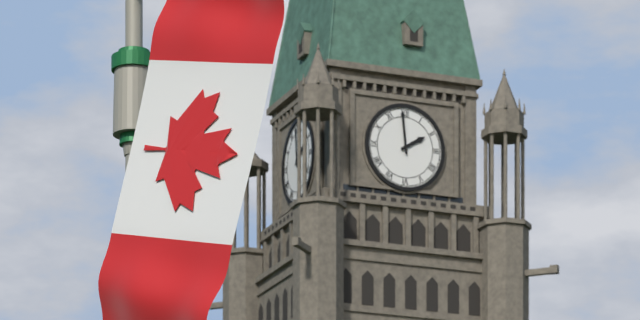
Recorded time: 1:59
